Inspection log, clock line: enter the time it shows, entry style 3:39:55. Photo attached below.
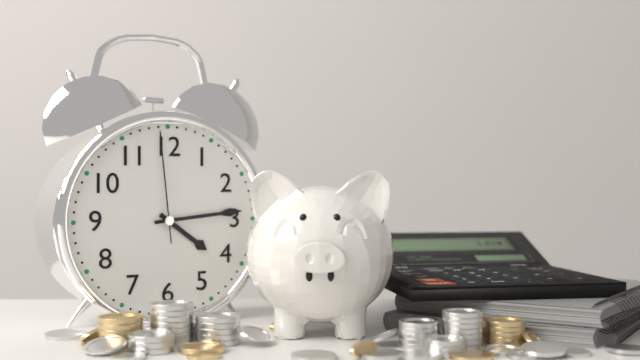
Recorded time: 4:14:59
